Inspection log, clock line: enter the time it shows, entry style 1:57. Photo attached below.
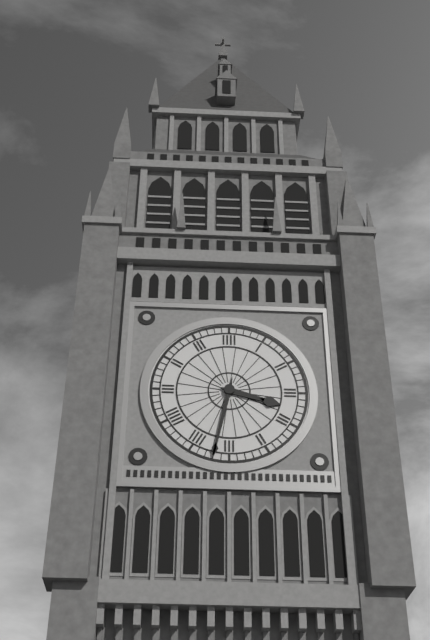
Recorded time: 3:32
